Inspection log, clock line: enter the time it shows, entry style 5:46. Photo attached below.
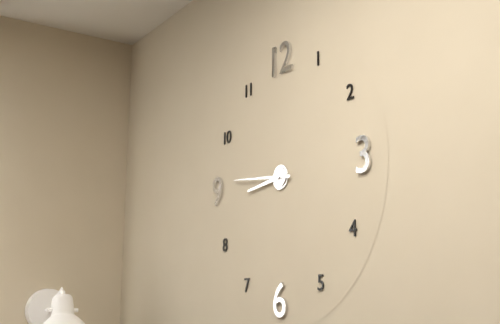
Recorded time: 8:46
